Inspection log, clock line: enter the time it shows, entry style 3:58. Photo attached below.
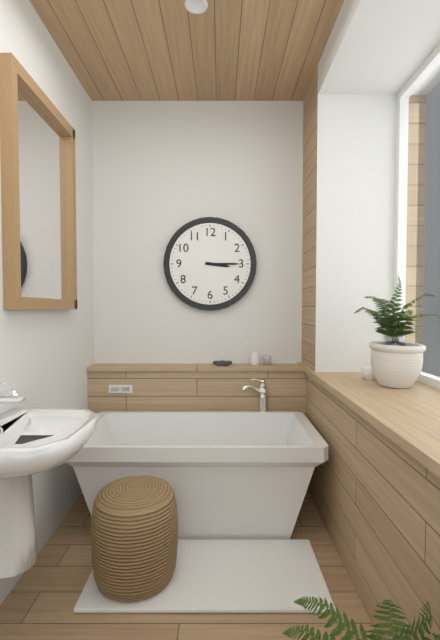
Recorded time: 3:15
